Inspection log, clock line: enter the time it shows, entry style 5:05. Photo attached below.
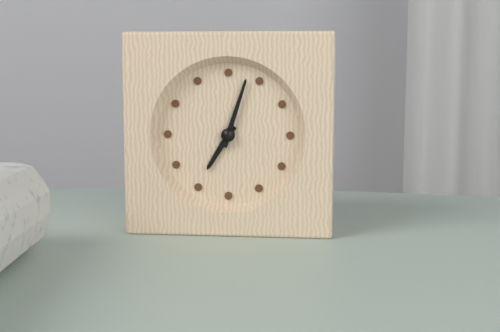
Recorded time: 7:03
